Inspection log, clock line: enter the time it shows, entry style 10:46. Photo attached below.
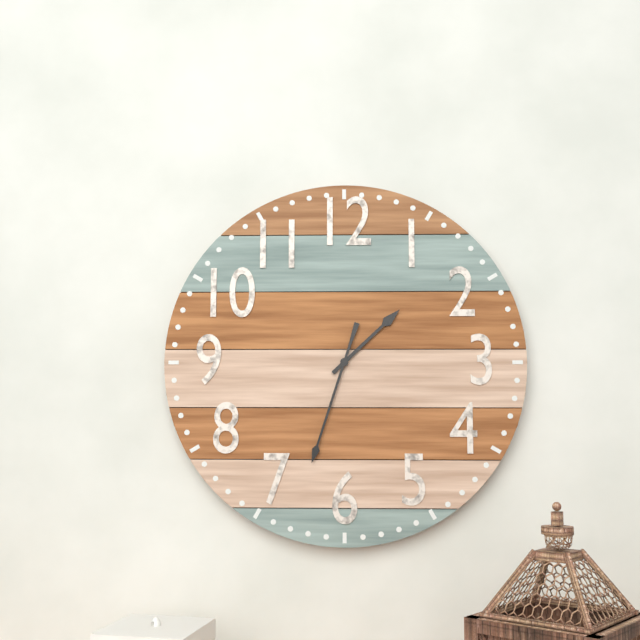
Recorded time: 1:33
